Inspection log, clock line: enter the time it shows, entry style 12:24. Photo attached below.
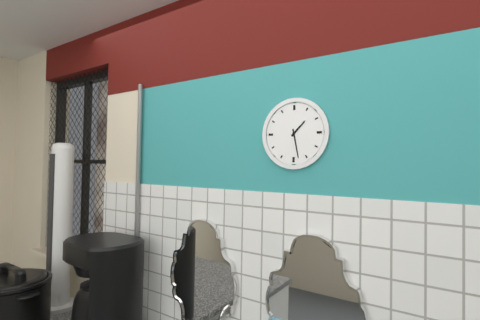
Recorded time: 1:28
